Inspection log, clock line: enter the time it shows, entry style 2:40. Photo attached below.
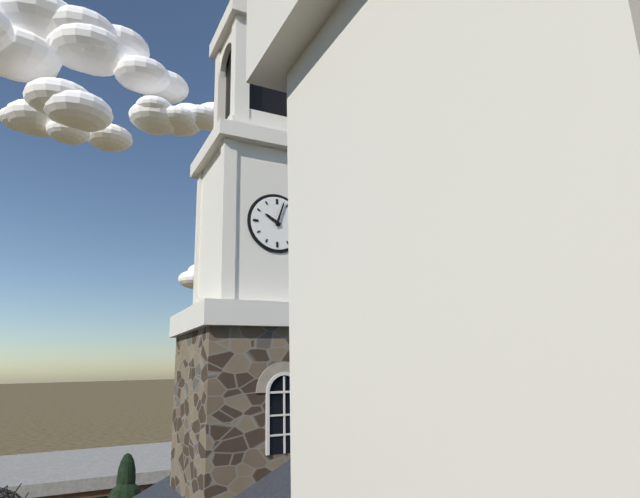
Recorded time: 10:03
